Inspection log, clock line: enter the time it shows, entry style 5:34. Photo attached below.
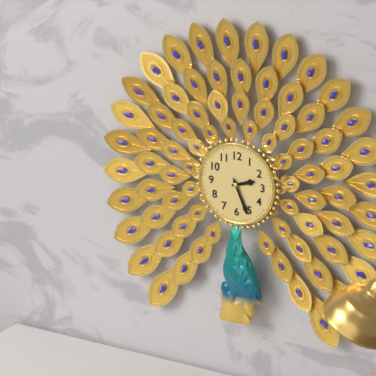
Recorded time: 2:26
